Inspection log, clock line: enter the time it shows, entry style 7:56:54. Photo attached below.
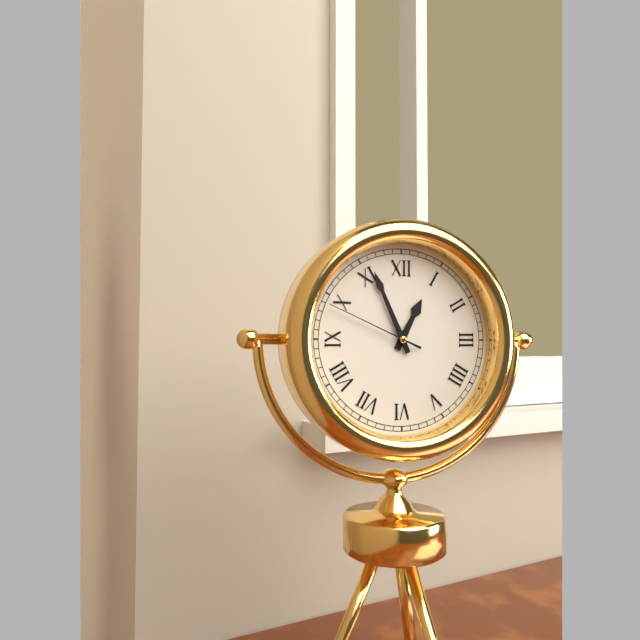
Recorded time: 12:56:49
